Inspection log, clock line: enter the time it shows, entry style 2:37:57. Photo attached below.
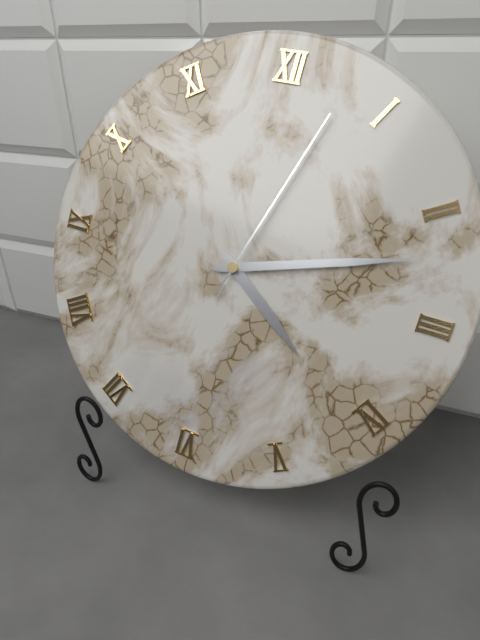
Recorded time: 4:12:03
